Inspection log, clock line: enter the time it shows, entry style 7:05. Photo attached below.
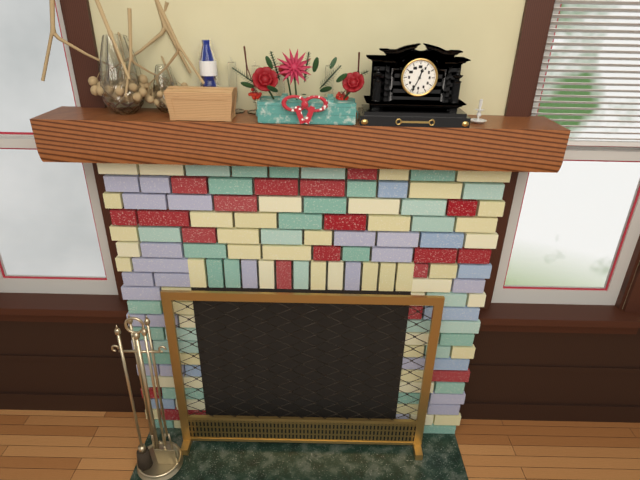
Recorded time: 12:34
